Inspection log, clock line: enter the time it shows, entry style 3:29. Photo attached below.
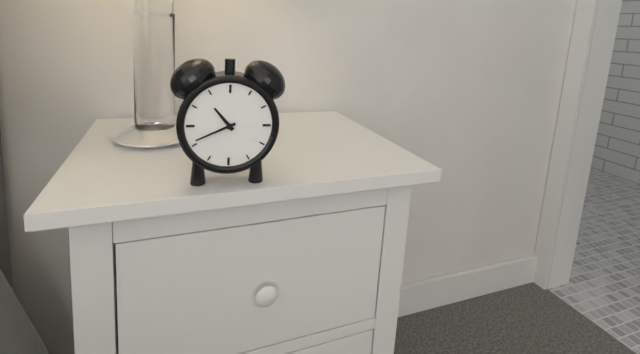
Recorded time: 10:41
